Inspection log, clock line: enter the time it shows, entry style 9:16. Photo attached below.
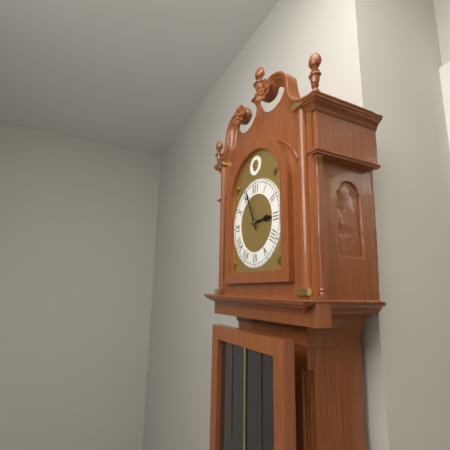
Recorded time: 2:56
